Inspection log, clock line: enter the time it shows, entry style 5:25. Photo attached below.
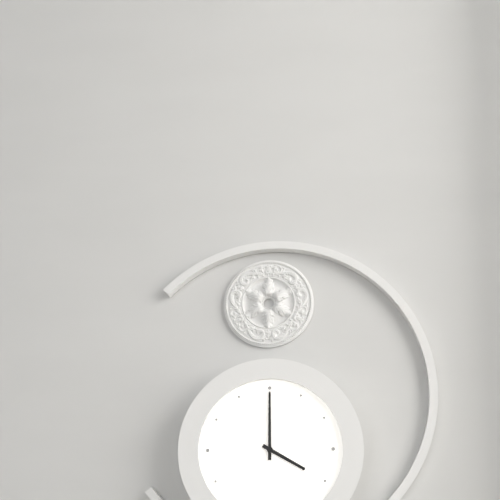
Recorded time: 4:00
